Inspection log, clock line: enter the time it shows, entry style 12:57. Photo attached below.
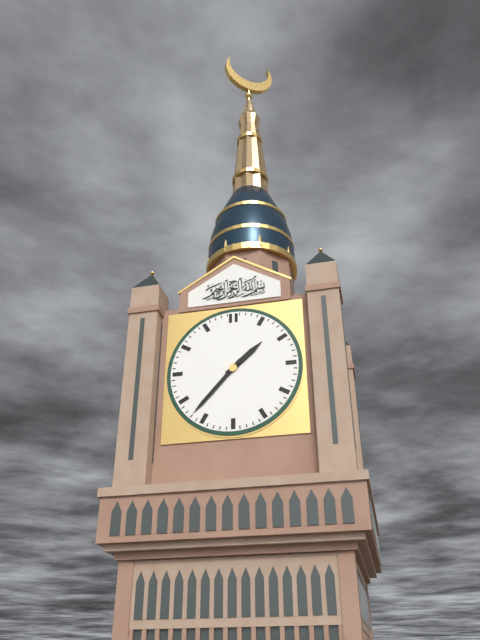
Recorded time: 1:37
